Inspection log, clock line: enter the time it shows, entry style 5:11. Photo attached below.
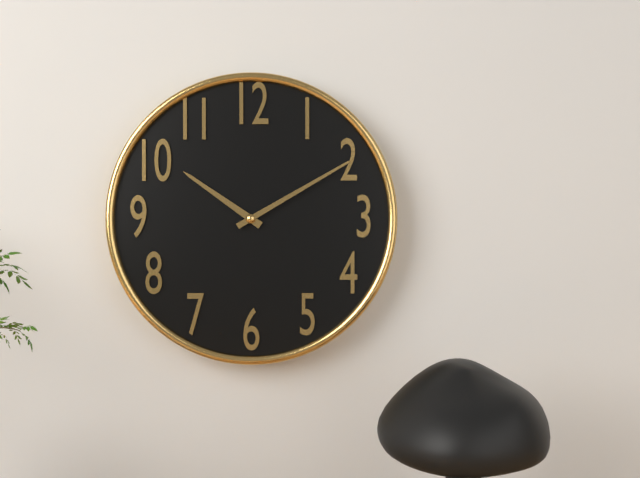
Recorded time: 10:10
